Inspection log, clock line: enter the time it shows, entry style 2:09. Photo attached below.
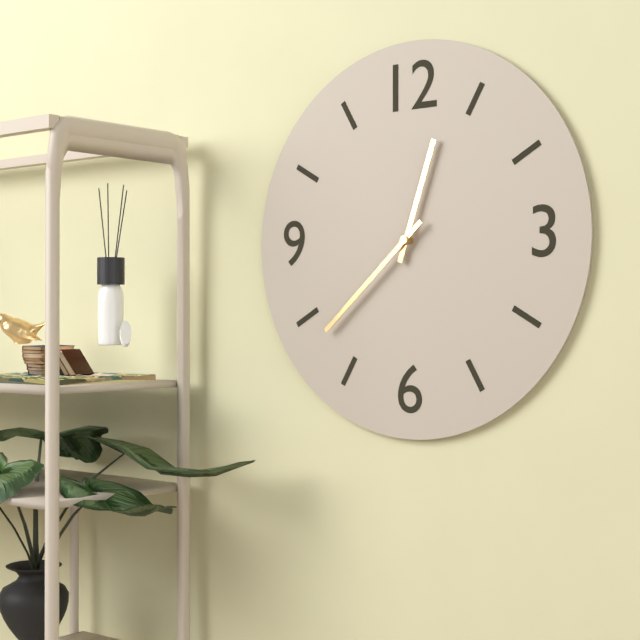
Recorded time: 12:38
